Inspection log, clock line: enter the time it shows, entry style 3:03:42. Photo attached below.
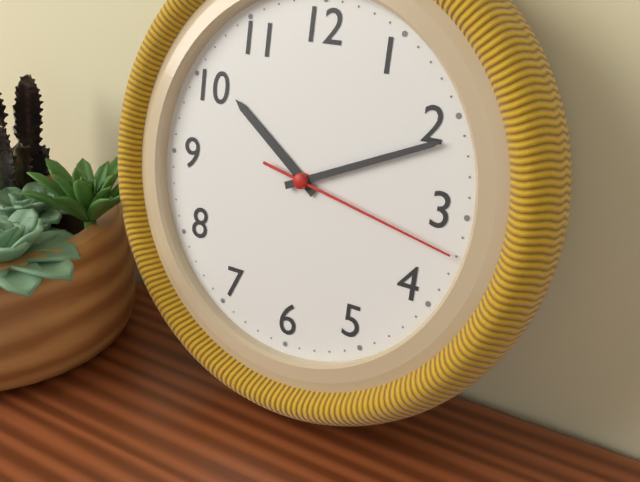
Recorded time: 10:11:17
